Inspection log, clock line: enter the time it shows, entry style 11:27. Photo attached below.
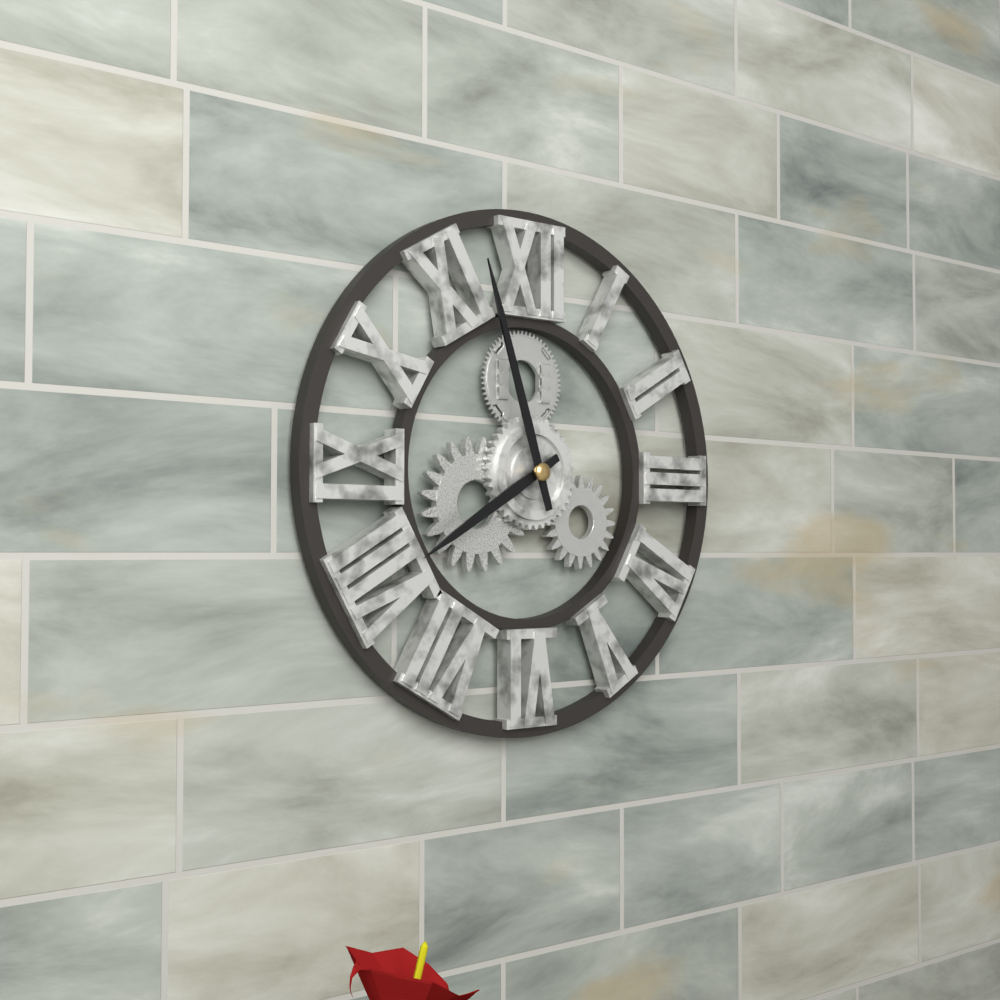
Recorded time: 7:57
